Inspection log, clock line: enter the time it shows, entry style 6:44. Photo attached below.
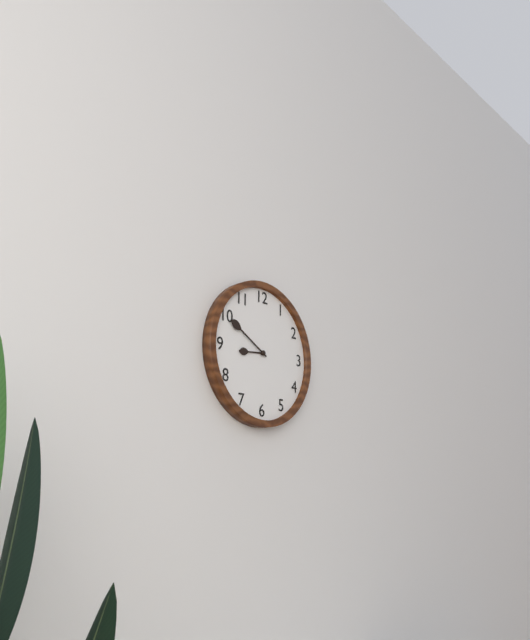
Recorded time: 8:50
